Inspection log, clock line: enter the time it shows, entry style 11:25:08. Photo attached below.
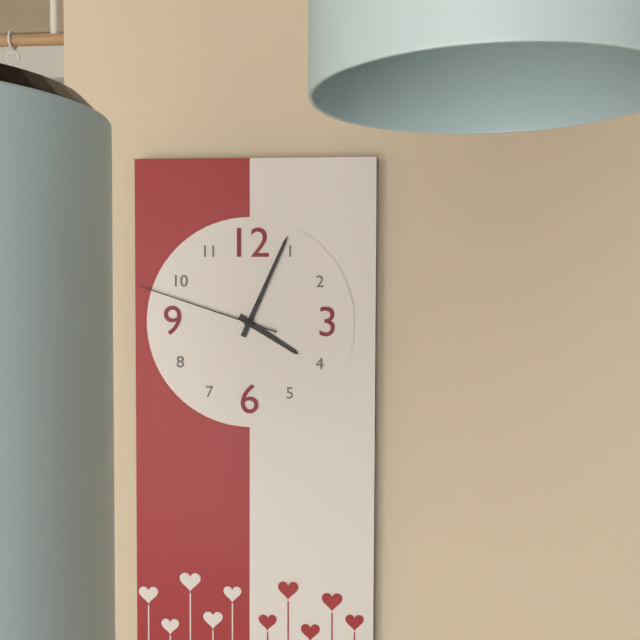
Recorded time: 4:04:48
